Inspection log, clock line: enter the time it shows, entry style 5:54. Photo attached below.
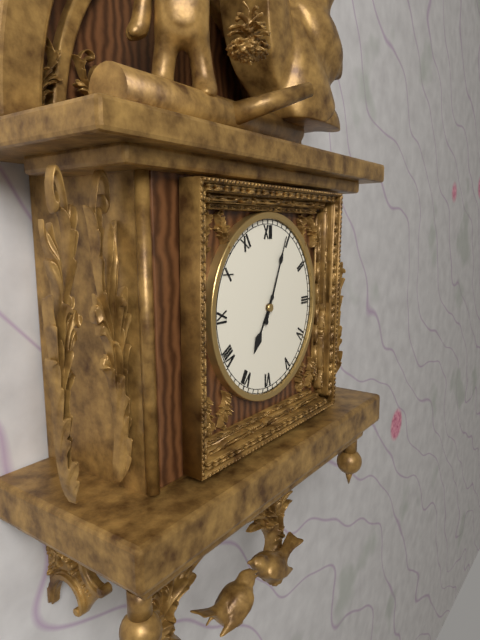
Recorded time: 7:04
